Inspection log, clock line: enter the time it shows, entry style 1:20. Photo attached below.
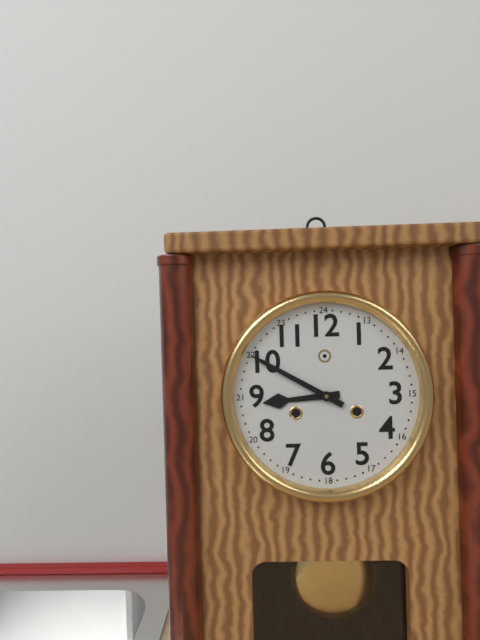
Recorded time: 8:50
